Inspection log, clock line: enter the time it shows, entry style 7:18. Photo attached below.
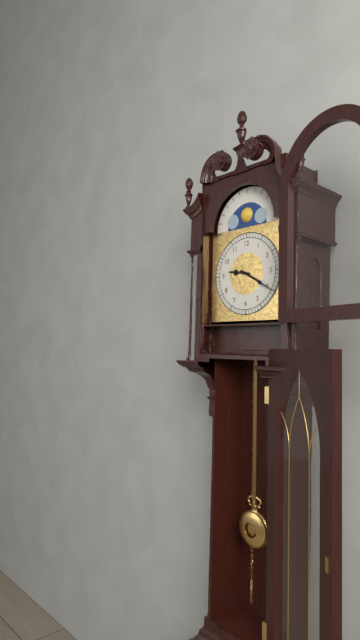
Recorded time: 9:20
